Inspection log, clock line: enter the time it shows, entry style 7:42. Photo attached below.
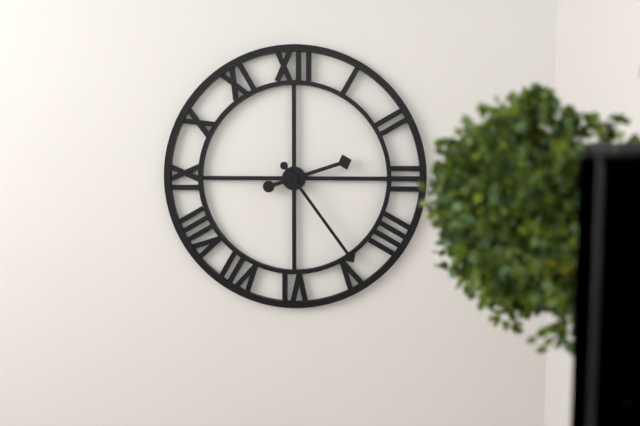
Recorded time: 2:24
